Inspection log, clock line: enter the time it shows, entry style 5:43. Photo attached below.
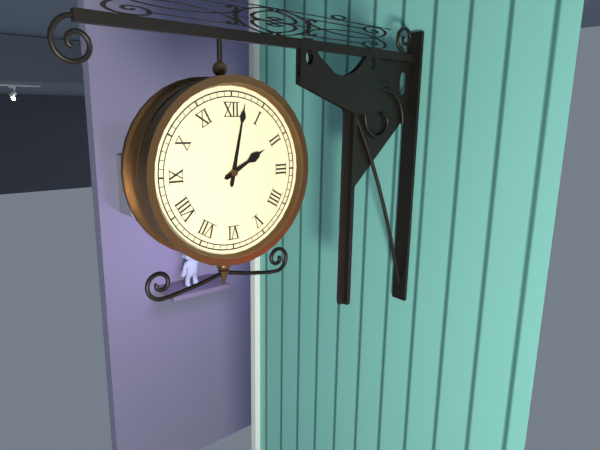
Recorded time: 2:02
